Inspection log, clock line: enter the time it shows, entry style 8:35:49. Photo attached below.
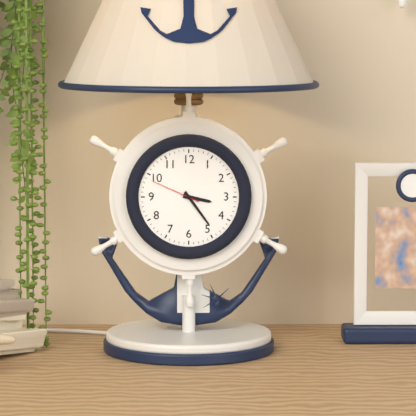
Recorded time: 3:24:49
